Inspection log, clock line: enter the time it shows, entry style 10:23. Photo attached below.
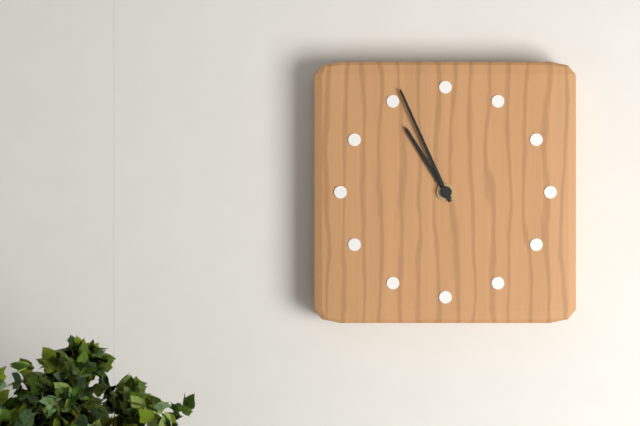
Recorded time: 10:56
